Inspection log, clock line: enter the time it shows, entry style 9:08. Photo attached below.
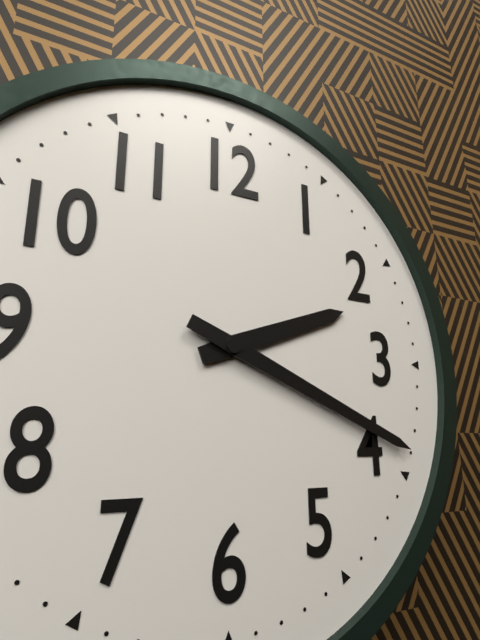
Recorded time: 2:19
